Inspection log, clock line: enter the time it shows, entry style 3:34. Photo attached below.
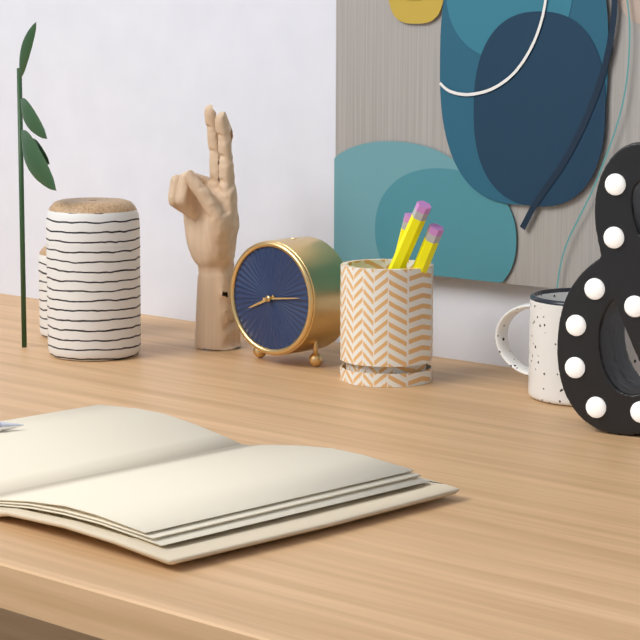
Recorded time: 8:14
